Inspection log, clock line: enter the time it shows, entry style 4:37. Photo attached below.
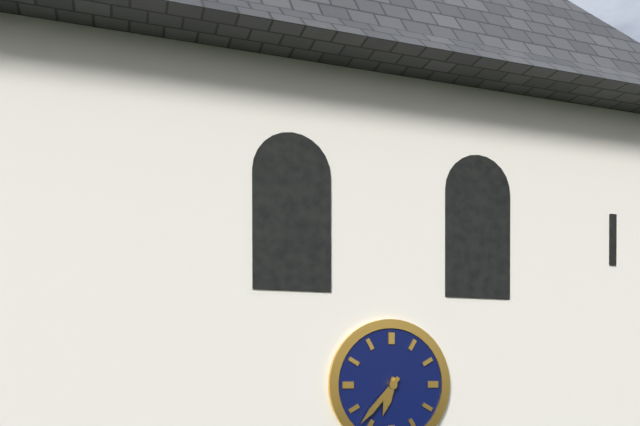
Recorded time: 6:37
